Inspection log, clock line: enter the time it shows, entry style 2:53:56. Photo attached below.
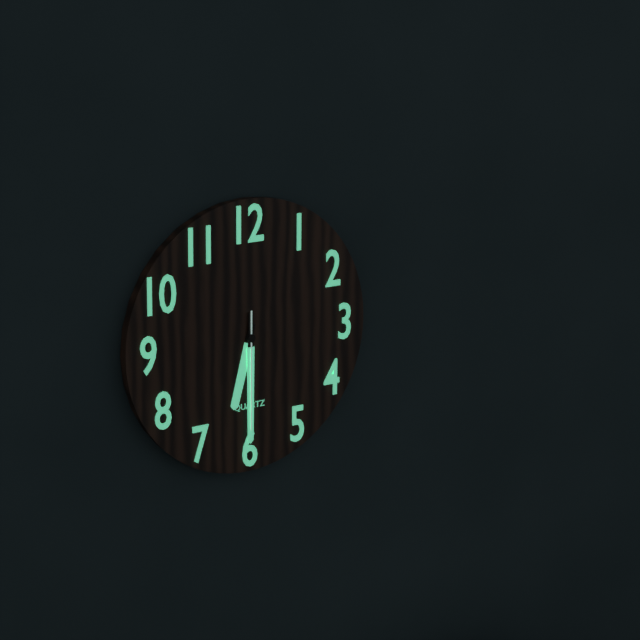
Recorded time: 6:30:30
